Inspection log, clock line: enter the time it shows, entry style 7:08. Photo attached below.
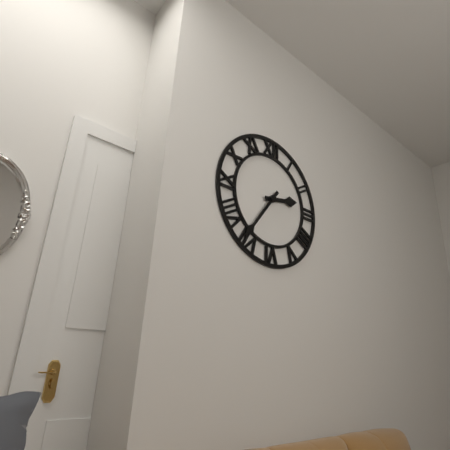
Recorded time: 2:36
